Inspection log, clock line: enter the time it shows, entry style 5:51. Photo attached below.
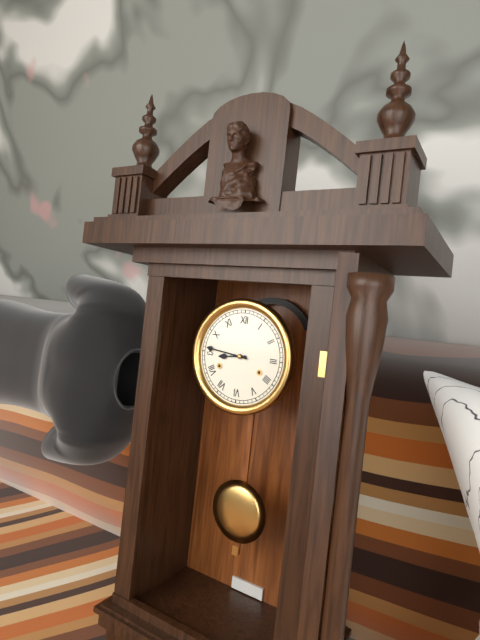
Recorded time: 8:46
